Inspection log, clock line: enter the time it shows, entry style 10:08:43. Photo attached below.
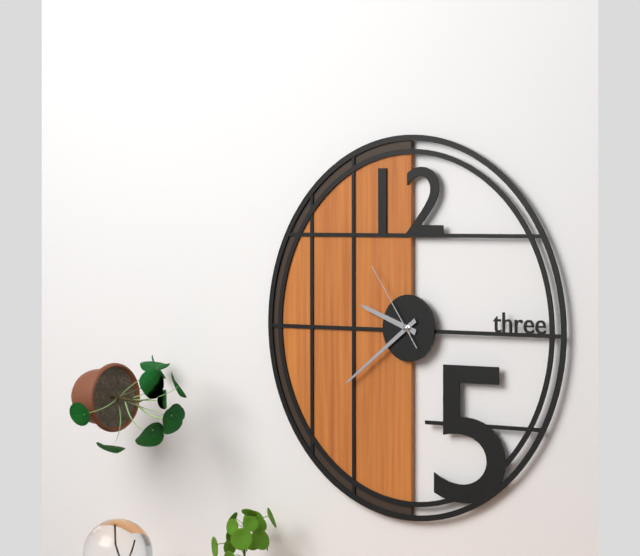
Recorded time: 9:39:54
